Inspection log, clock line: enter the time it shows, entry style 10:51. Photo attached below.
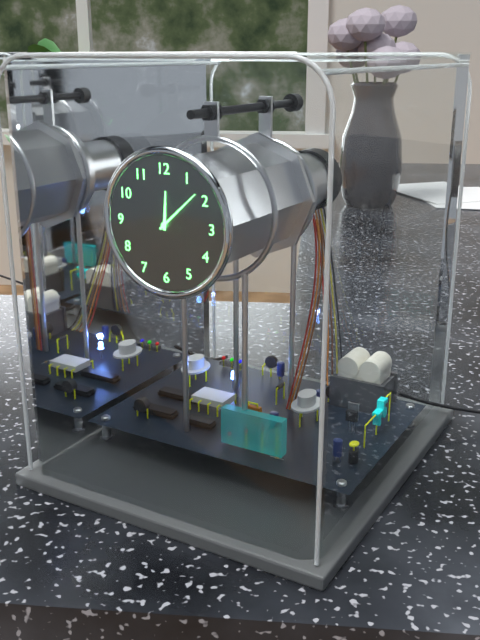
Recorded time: 12:08
